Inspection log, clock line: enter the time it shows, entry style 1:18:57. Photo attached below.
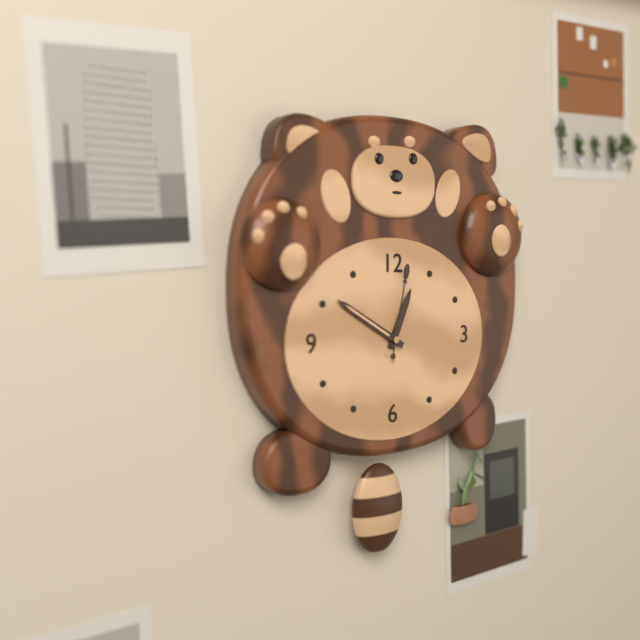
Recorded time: 12:50:02
